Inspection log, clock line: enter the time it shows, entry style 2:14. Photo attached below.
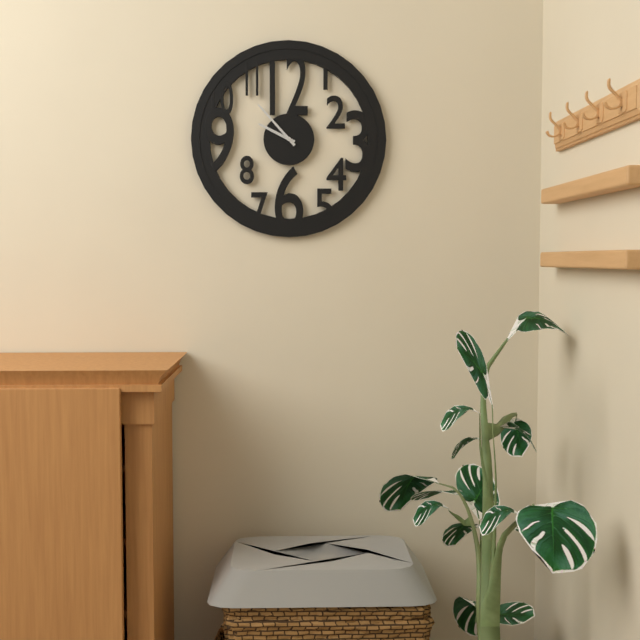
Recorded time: 9:53
